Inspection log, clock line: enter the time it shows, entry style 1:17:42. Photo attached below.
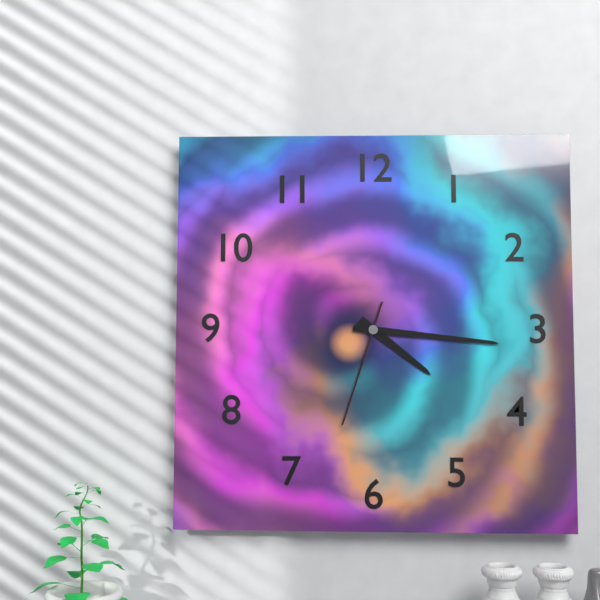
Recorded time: 4:16:33
